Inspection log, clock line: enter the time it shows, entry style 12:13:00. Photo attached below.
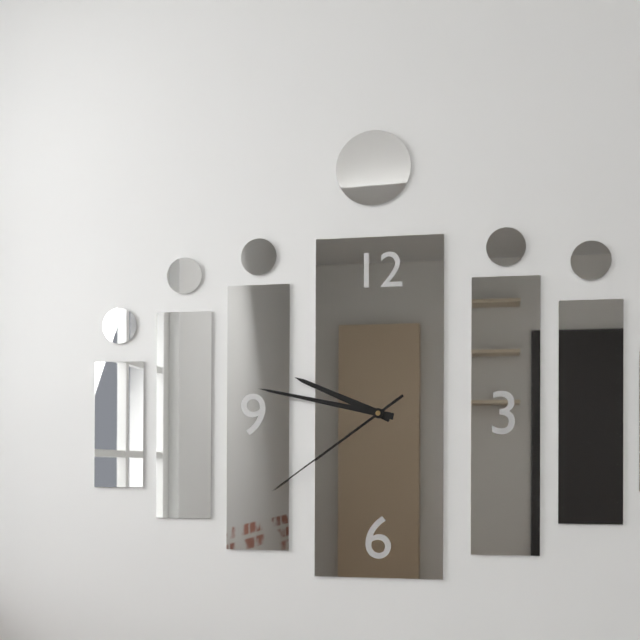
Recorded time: 9:47:39
